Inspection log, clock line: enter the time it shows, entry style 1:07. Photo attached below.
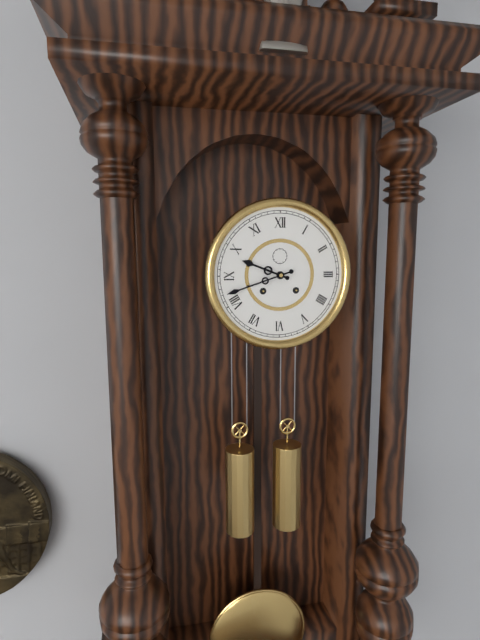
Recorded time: 9:42
